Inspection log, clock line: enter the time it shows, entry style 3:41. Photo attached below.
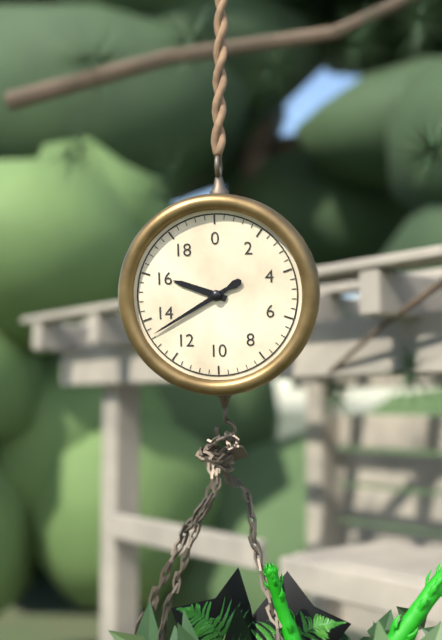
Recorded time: 9:40
